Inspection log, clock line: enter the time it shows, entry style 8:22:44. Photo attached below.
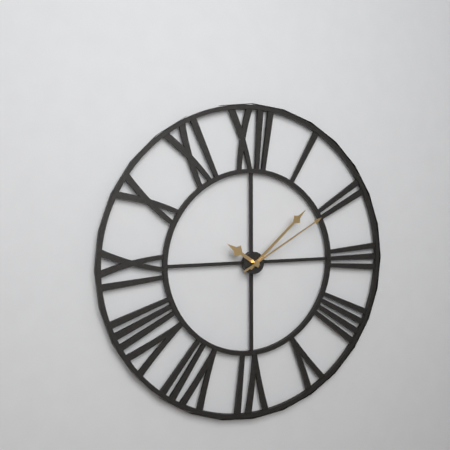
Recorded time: 10:08:10
